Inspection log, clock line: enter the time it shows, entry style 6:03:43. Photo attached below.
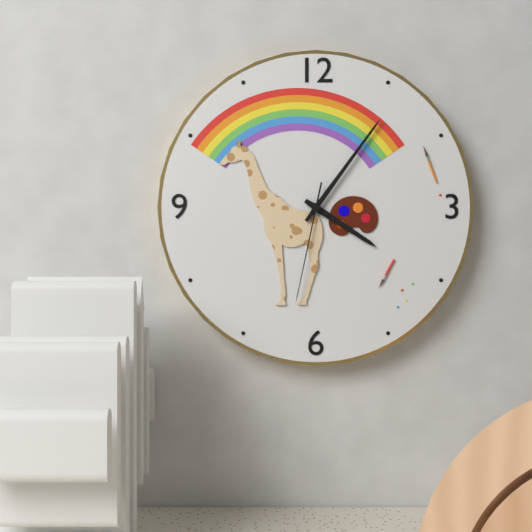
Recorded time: 4:06:32
